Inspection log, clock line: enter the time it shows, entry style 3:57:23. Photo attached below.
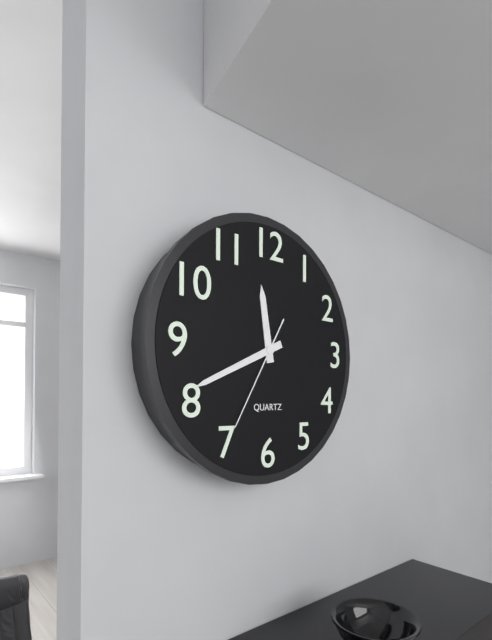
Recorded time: 11:41:35
